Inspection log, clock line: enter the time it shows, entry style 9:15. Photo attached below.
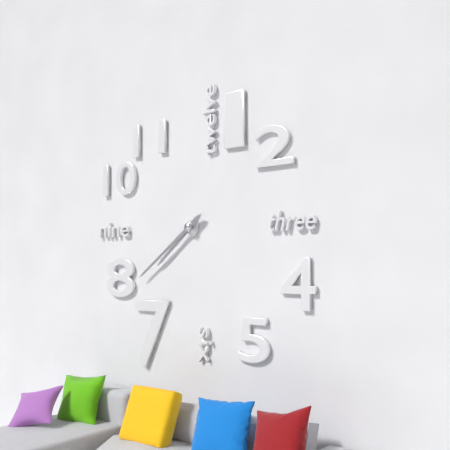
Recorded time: 7:39
